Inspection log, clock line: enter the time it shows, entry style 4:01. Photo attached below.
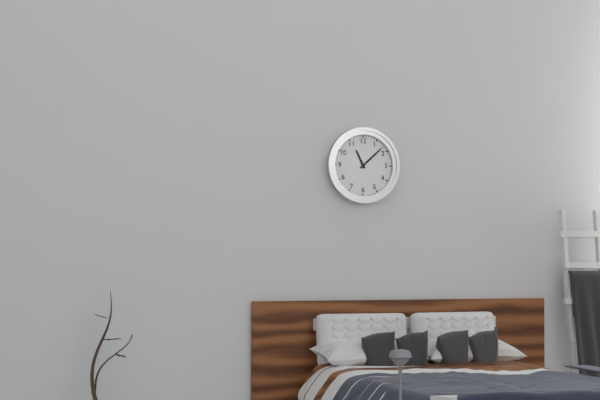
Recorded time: 11:08
